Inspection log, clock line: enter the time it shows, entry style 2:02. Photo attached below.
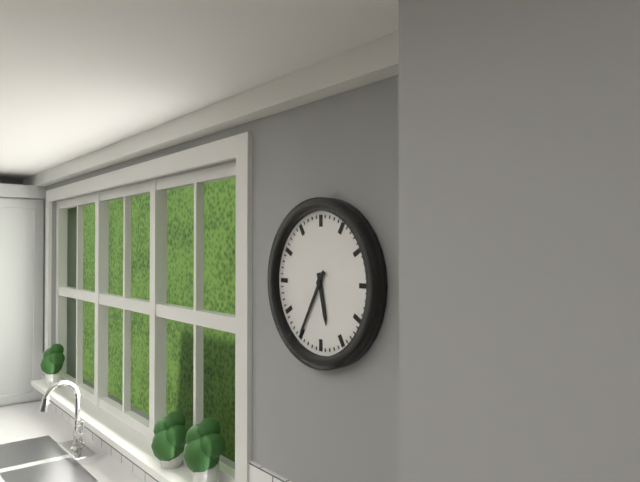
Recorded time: 5:35
